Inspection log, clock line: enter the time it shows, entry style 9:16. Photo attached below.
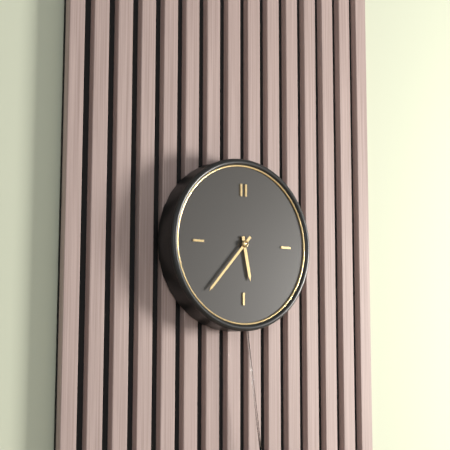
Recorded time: 5:37
